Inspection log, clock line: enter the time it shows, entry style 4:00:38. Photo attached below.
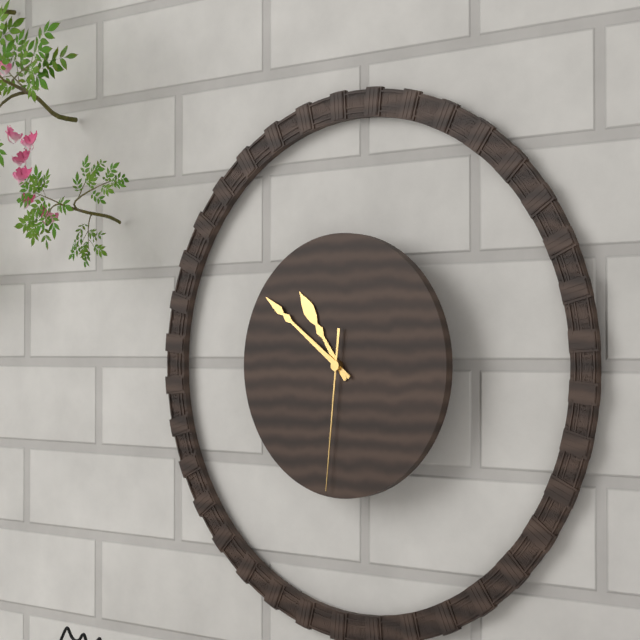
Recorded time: 10:51:31
